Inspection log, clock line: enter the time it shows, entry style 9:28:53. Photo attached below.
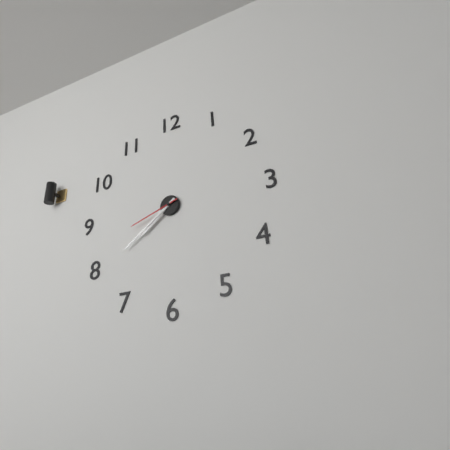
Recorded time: 7:39:42
